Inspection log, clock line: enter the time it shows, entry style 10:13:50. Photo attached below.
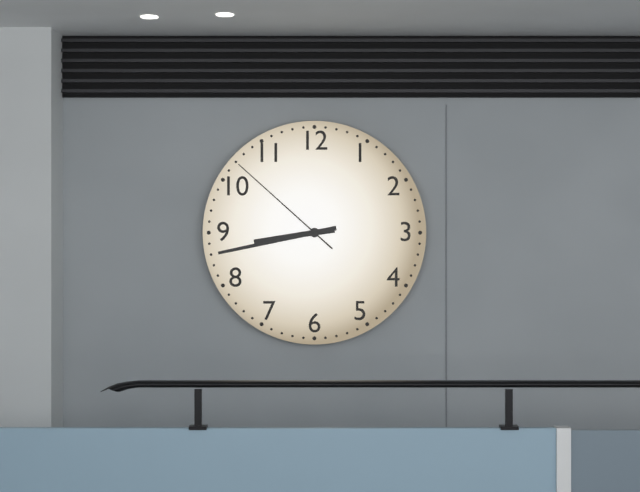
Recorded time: 8:43:52
